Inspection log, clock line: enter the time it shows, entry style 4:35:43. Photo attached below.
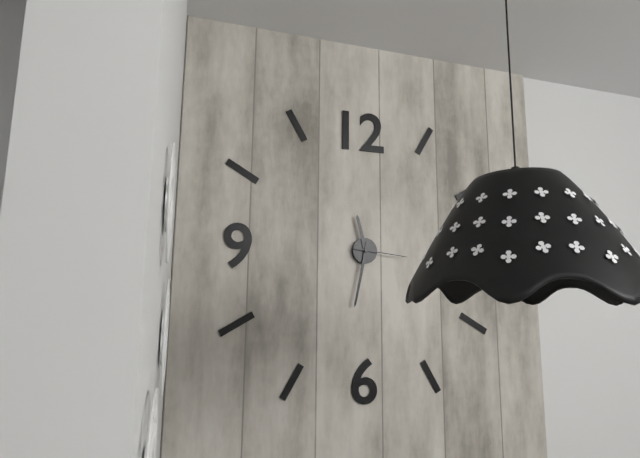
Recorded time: 11:32:16
